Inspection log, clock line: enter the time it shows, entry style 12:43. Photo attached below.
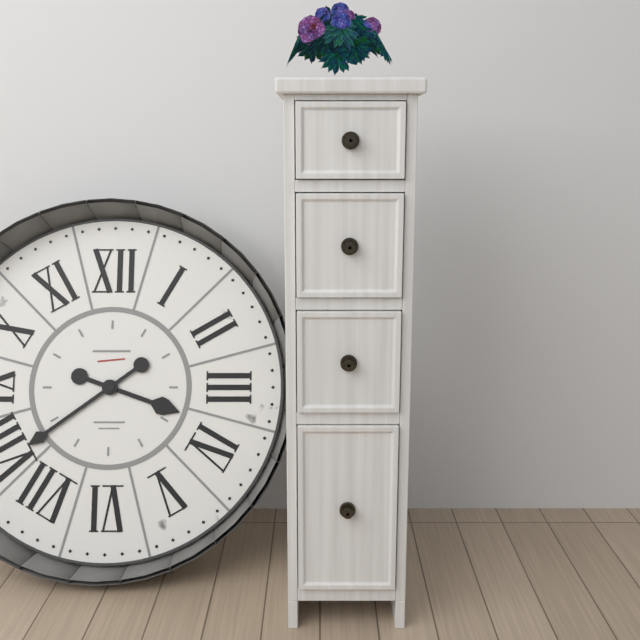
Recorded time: 3:39
